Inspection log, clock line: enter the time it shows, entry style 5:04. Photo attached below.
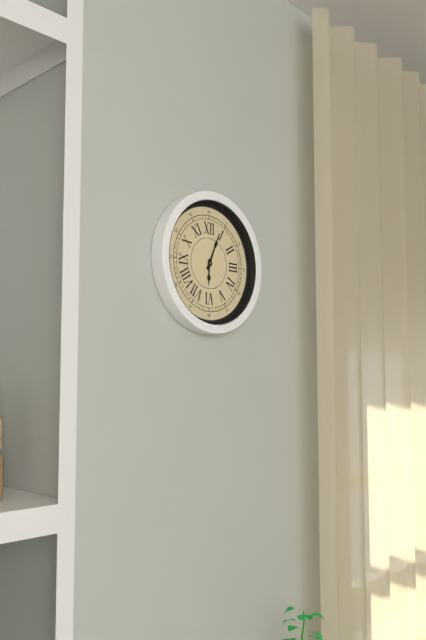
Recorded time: 6:04
